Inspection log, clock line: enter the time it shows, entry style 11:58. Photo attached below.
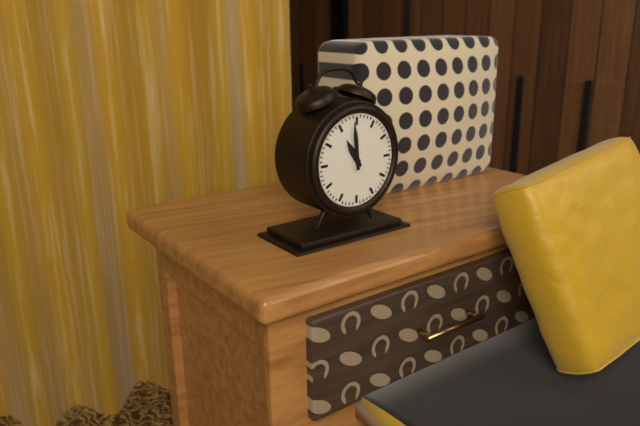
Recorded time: 10:59
